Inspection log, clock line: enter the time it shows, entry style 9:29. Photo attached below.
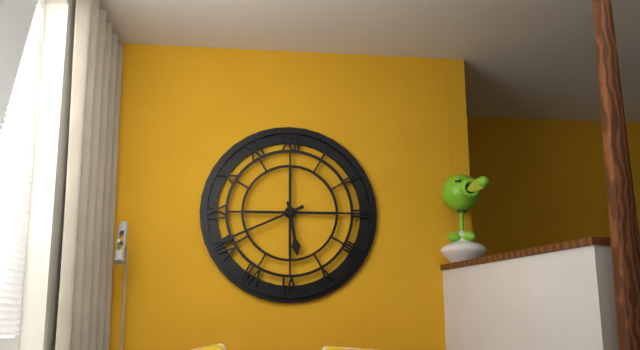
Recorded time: 5:41
